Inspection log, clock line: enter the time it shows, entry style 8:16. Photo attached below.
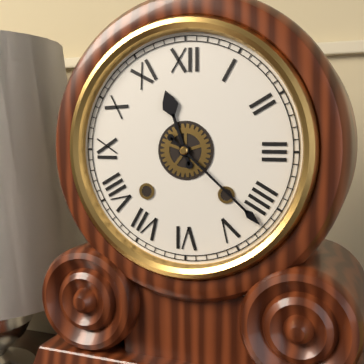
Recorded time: 11:22
